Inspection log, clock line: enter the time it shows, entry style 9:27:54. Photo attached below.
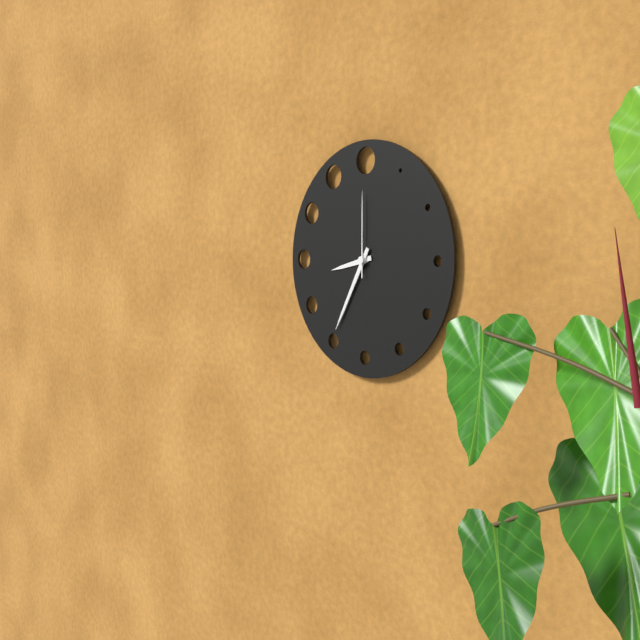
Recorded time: 8:35:00
